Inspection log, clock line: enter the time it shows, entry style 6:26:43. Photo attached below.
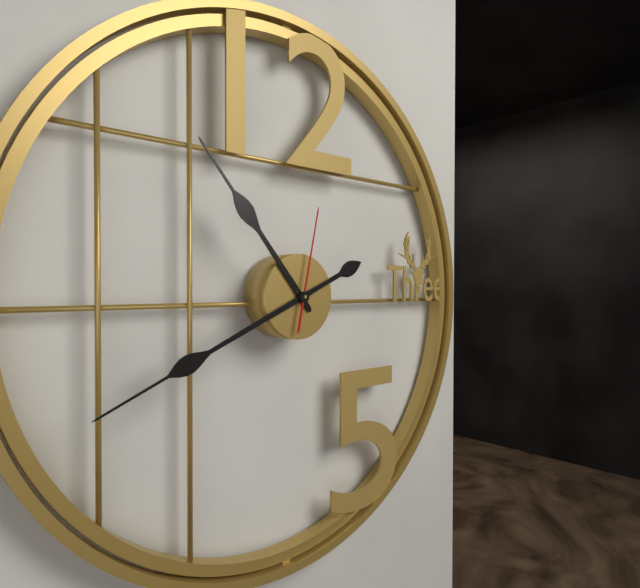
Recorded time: 10:41:02
